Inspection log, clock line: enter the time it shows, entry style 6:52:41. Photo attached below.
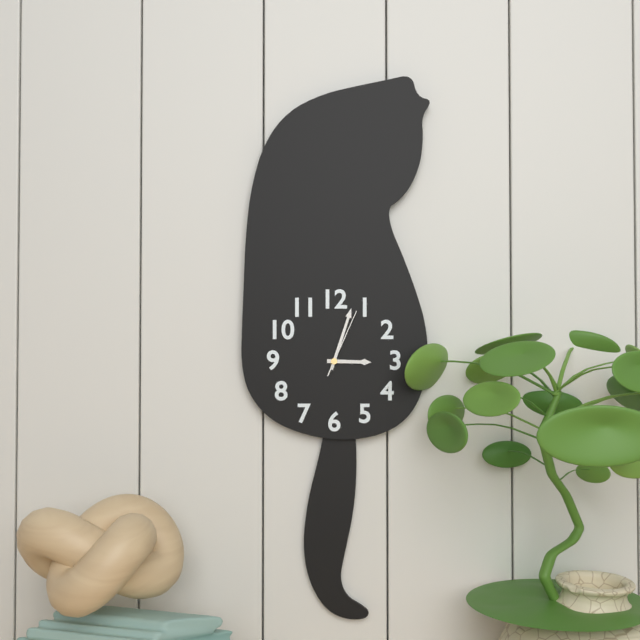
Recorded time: 3:03:04
